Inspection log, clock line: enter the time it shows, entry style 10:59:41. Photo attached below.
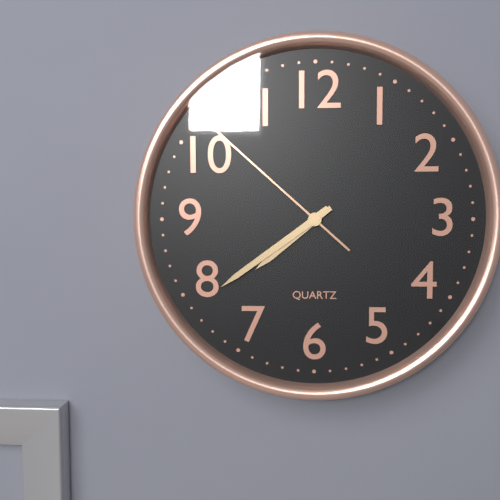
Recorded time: 7:39:52
